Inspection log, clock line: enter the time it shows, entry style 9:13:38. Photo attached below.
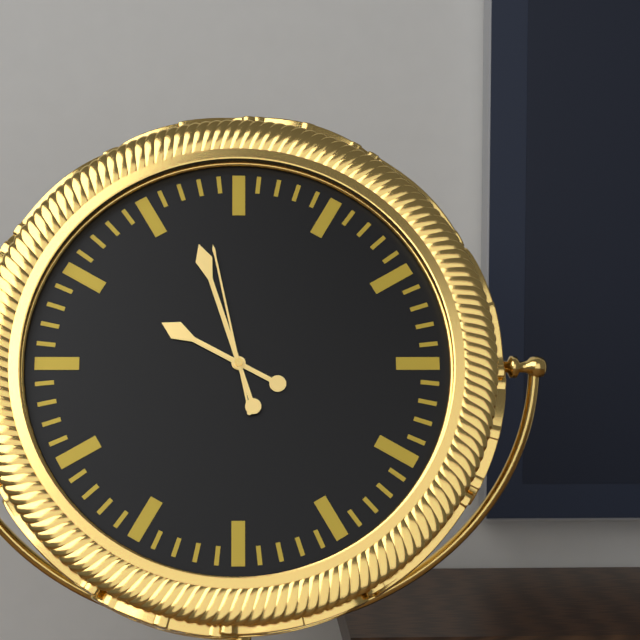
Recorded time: 9:57:58
